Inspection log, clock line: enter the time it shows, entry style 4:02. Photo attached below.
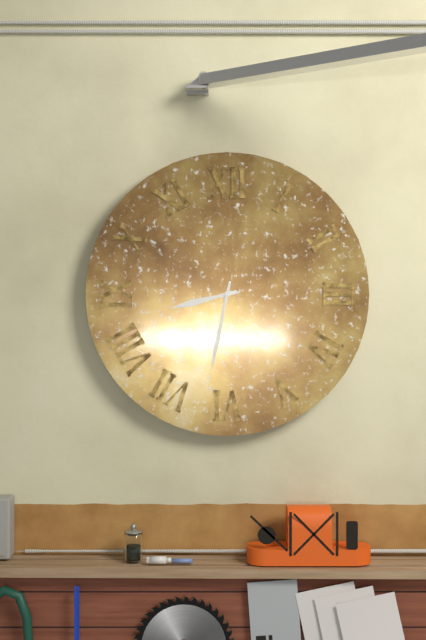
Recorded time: 8:32
